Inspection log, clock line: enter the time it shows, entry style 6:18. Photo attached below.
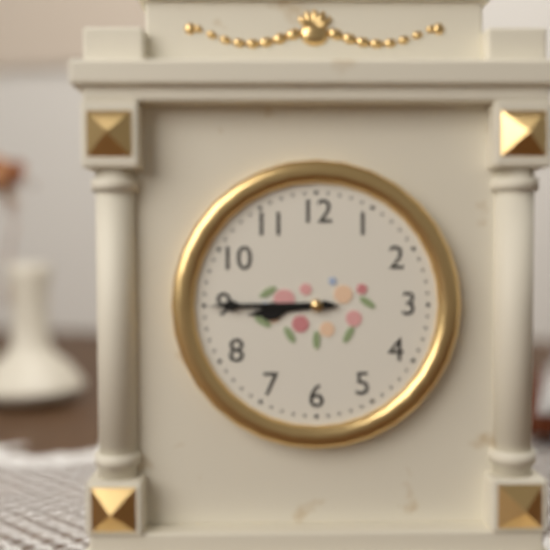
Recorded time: 8:45
